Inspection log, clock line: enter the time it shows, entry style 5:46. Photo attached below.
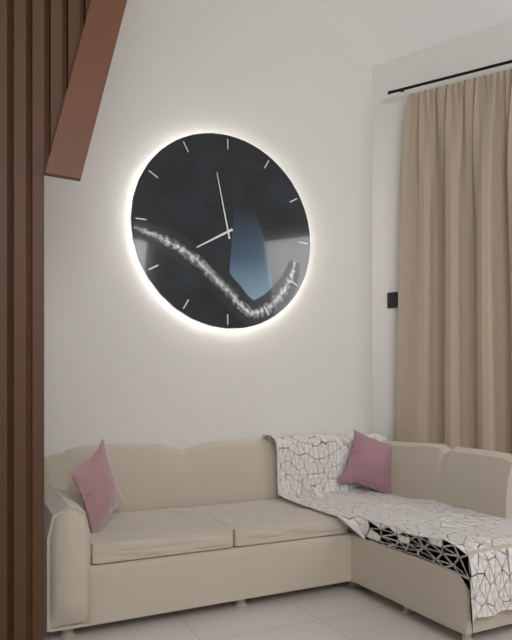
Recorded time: 7:58
